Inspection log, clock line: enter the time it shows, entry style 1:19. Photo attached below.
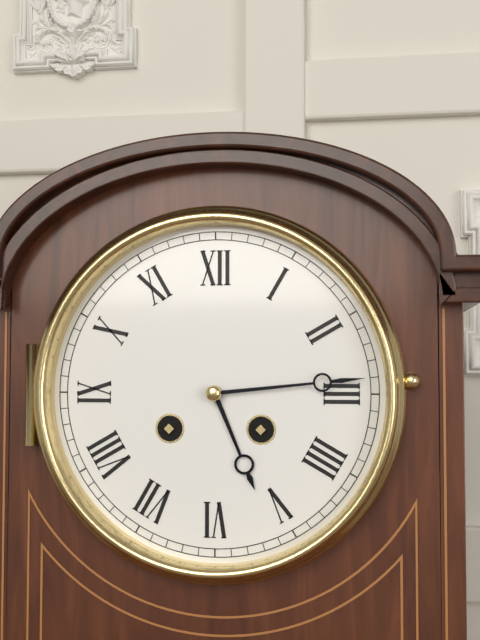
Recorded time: 5:14
